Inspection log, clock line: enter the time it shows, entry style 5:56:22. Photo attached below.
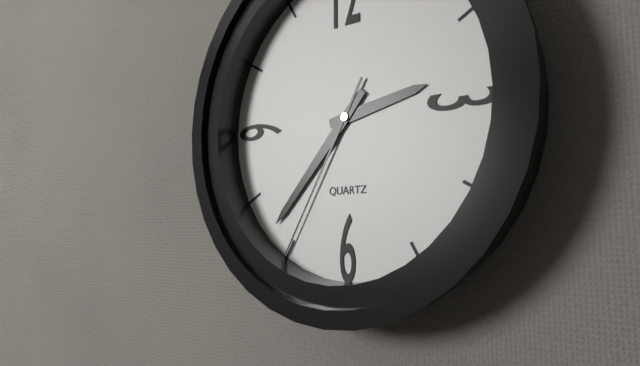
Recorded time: 2:37:35
